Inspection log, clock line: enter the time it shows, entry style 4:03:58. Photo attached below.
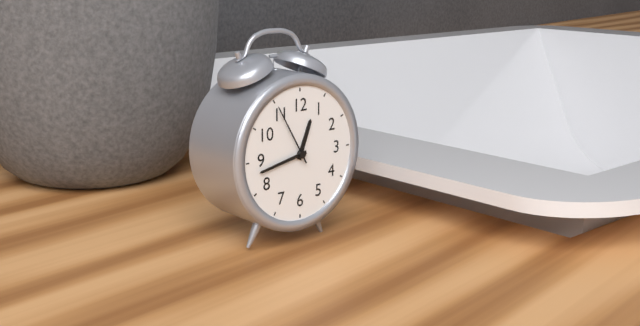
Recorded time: 12:43:55
